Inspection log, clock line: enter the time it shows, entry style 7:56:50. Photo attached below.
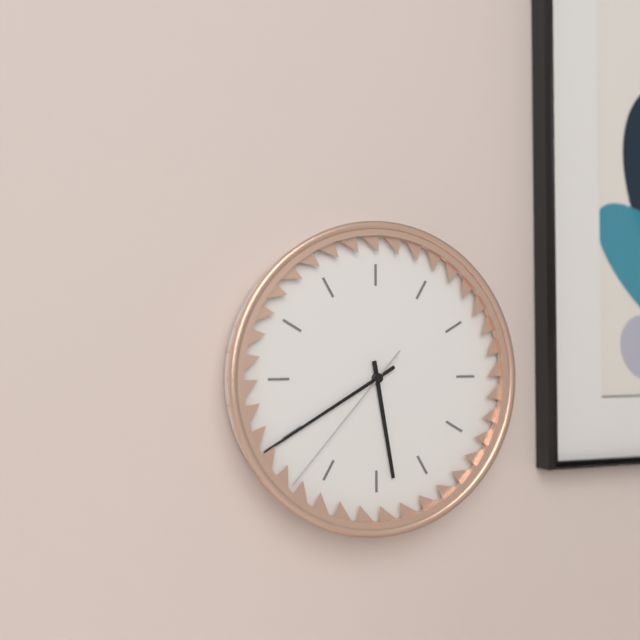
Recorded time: 5:40:37
